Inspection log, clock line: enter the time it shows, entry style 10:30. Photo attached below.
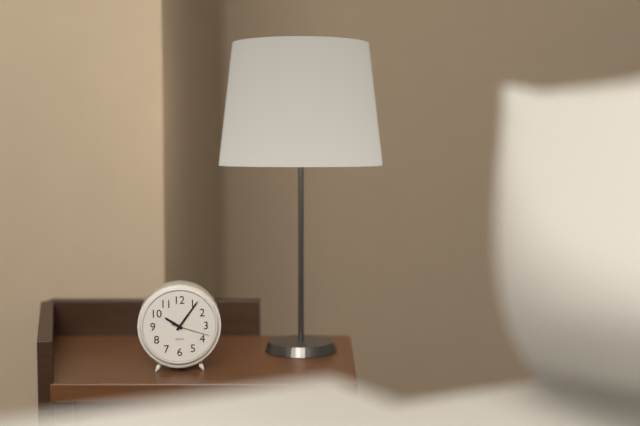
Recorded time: 10:06
